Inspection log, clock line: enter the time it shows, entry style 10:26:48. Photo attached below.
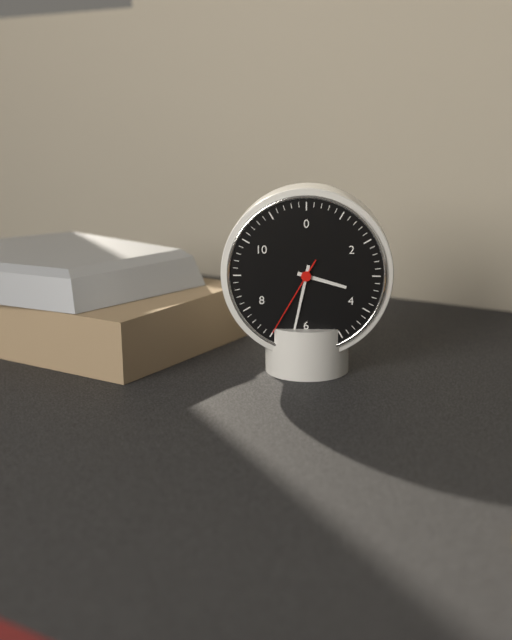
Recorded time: 3:32:35
